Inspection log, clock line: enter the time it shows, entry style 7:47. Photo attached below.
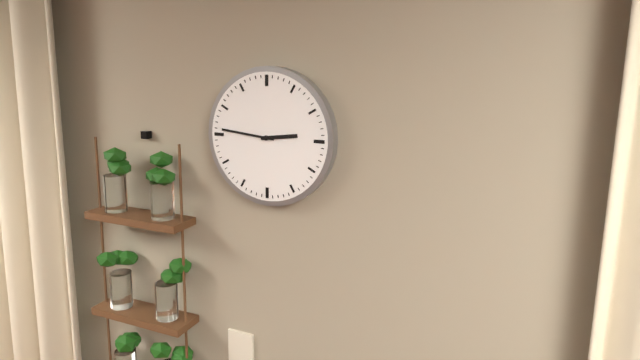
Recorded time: 2:46
